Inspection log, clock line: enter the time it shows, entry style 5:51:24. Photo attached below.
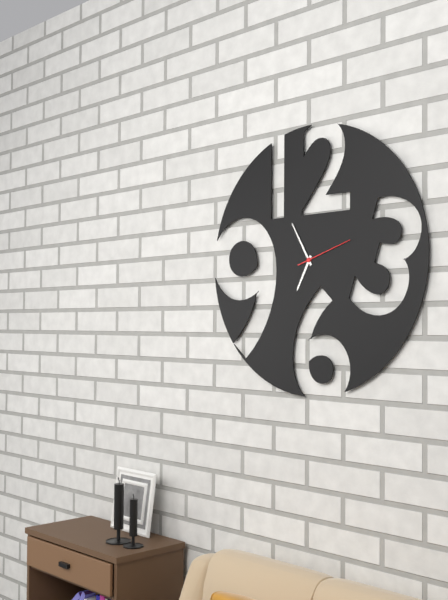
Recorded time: 6:55:12
